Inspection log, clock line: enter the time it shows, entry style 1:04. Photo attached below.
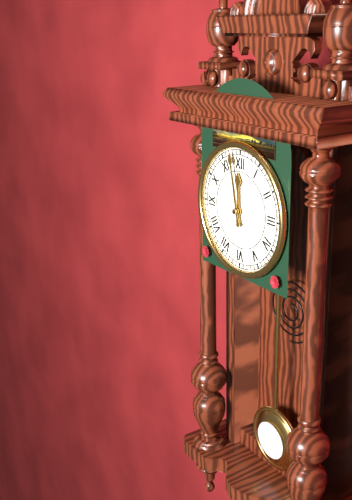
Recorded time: 11:58
